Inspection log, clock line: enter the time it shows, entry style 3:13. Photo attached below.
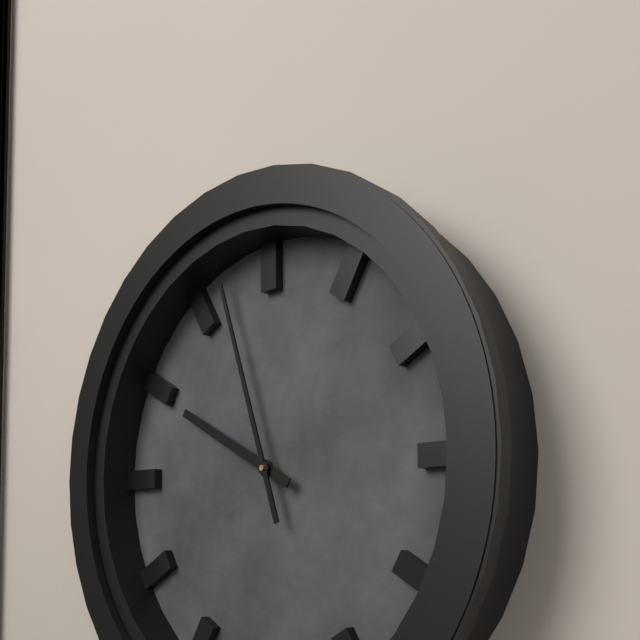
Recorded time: 9:57
